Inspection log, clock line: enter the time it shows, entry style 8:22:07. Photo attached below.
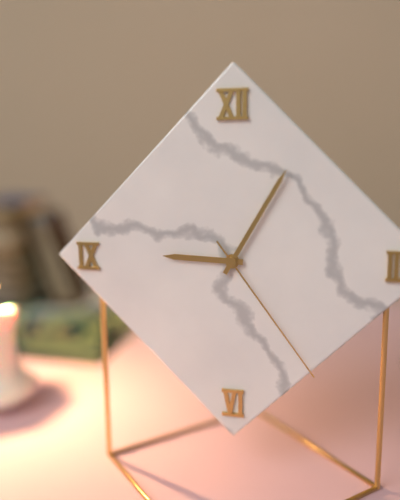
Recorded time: 9:05:24
